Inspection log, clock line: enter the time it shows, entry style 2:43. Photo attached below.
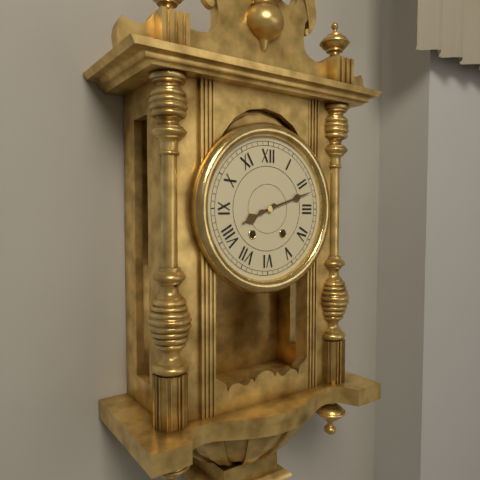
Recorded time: 8:12
